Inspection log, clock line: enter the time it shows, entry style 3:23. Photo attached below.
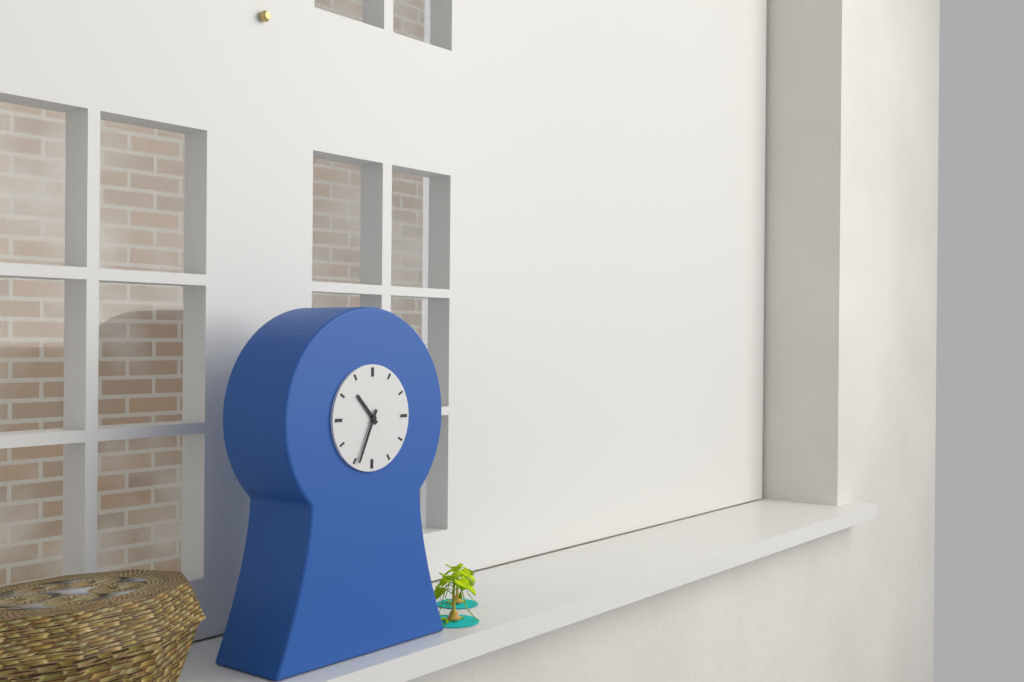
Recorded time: 10:34
